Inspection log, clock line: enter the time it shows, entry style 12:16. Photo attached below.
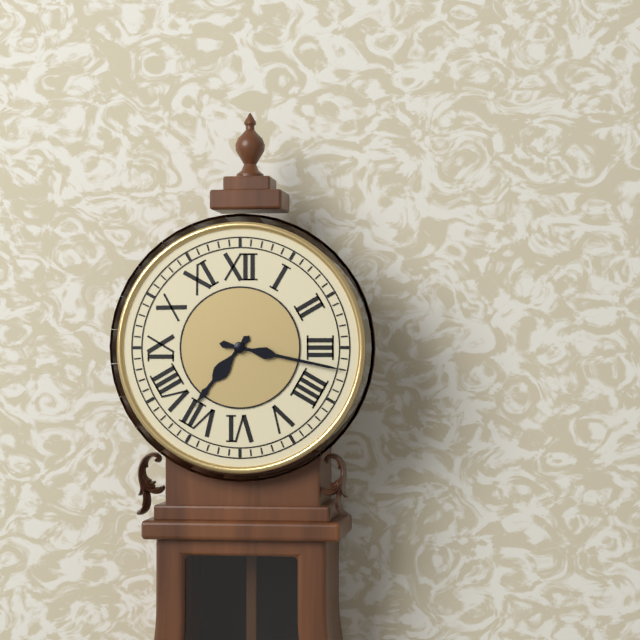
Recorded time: 7:17
